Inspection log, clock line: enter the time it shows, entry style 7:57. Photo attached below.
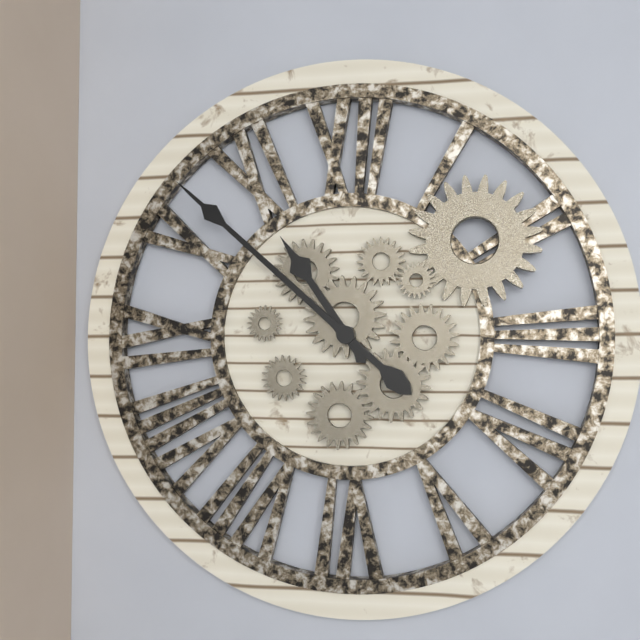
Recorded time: 10:52
